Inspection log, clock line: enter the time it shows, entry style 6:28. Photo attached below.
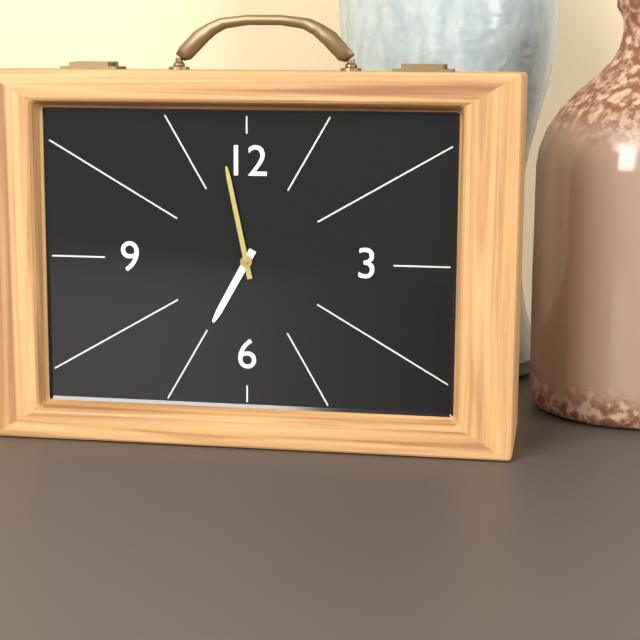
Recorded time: 6:58
